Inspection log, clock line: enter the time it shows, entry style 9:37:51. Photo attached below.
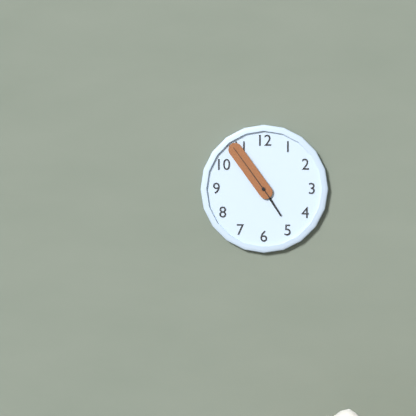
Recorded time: 4:54:54
